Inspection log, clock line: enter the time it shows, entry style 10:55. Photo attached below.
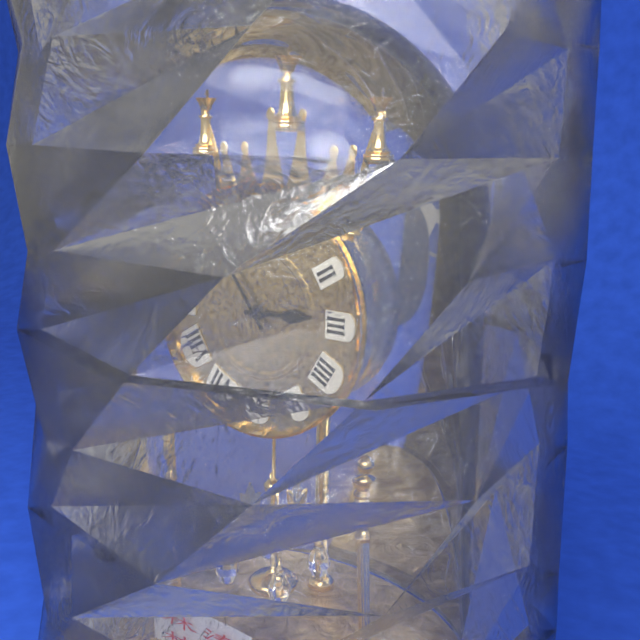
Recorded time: 2:54
